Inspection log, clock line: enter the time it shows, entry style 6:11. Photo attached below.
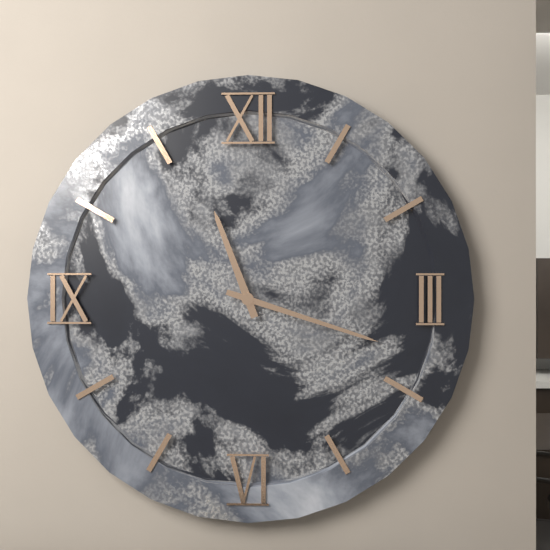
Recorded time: 11:18
